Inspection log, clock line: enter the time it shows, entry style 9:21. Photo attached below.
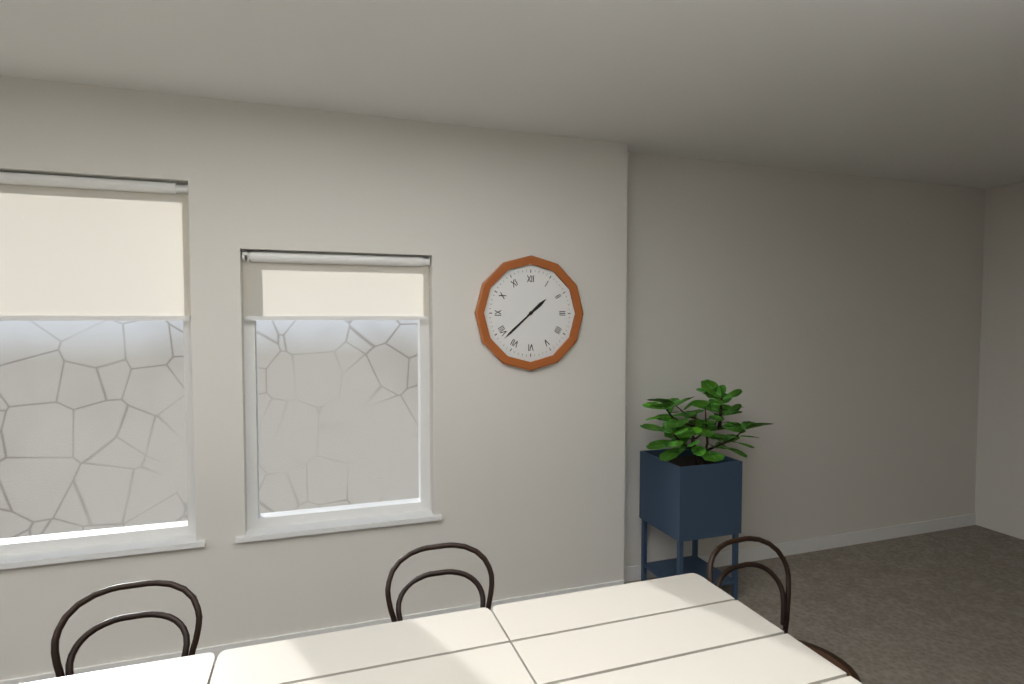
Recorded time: 1:38
